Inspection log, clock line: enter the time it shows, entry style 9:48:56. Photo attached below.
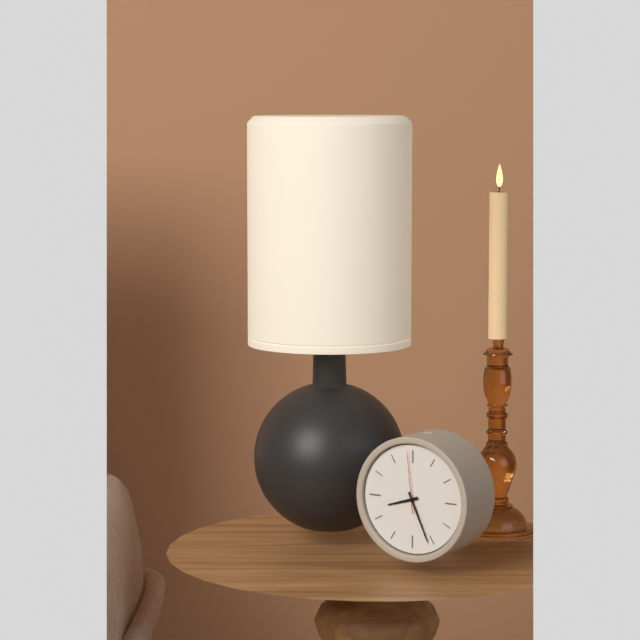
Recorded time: 8:26:59
